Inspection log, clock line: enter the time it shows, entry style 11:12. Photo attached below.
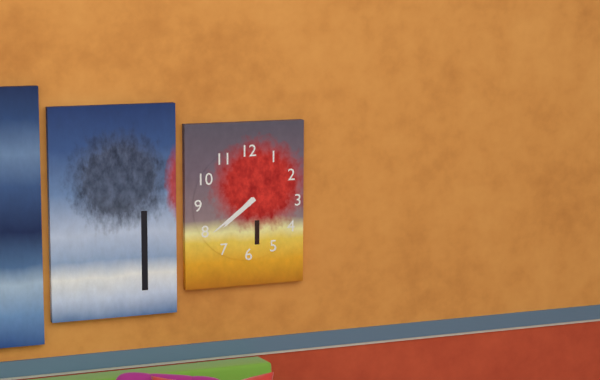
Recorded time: 7:39
